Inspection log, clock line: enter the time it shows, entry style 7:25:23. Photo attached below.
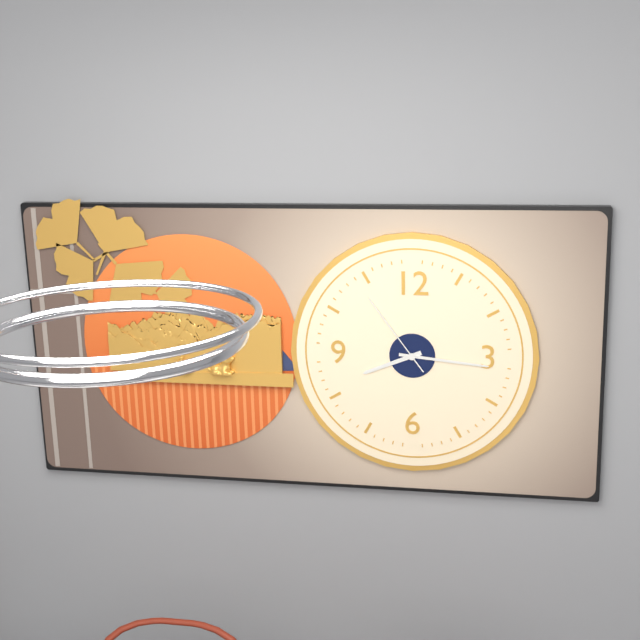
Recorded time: 8:16:54
